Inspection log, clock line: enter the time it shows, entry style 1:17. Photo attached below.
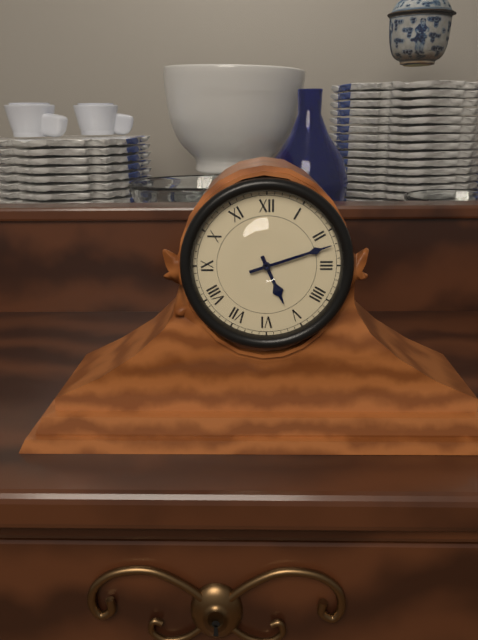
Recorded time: 5:12
